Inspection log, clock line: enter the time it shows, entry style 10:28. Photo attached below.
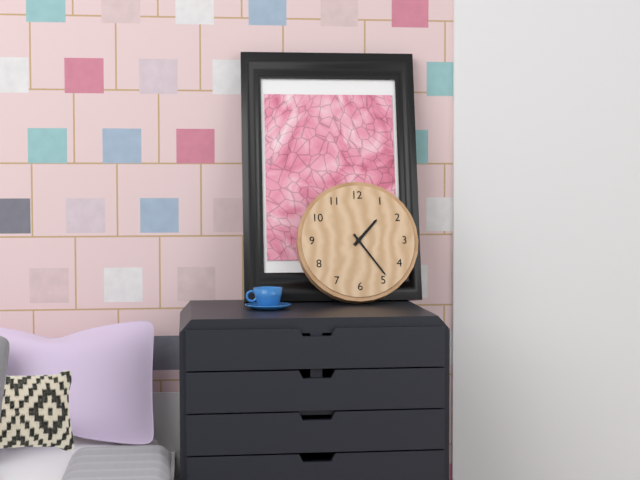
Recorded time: 1:24
